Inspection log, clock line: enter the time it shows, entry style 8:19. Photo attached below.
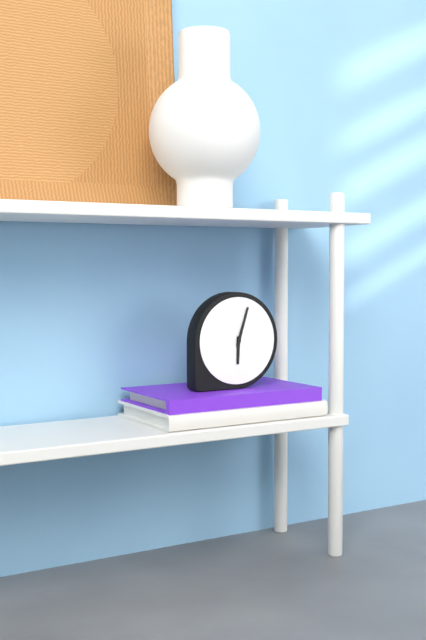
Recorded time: 6:03
